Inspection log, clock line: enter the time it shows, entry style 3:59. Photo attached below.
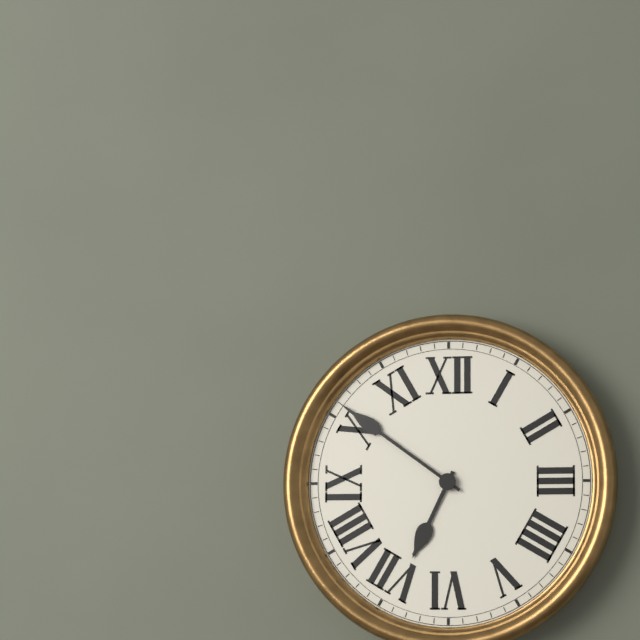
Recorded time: 6:51
